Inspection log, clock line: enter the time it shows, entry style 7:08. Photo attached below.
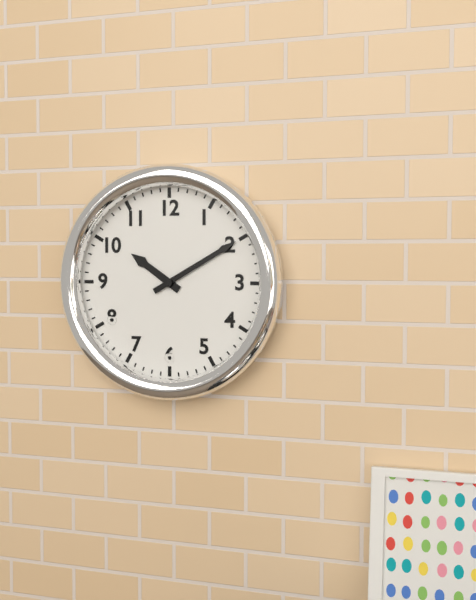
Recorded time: 10:10
